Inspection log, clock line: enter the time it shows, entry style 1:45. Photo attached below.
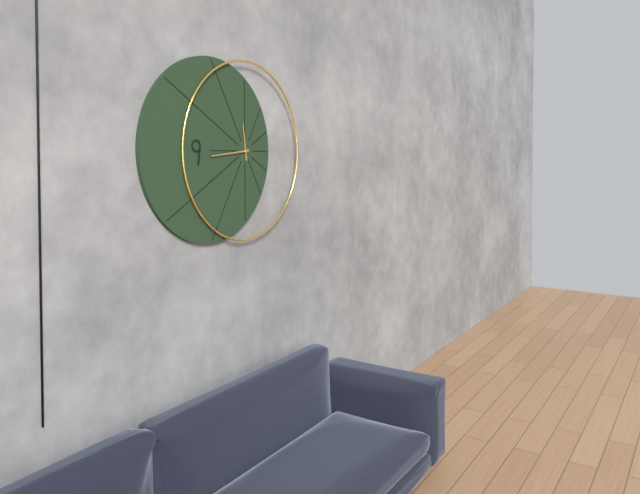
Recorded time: 11:44
